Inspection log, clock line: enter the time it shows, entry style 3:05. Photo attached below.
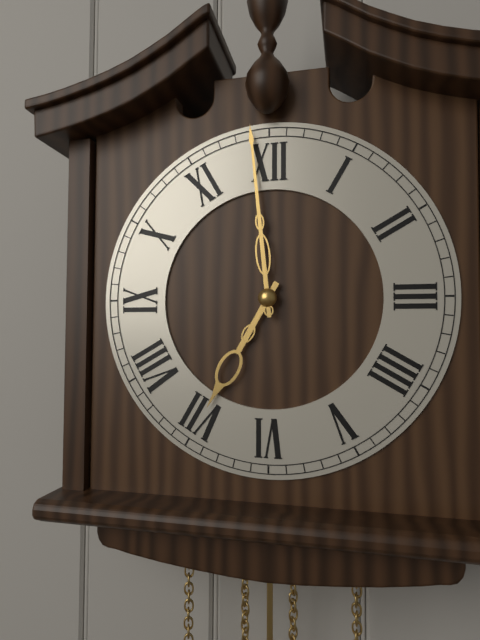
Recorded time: 6:59
